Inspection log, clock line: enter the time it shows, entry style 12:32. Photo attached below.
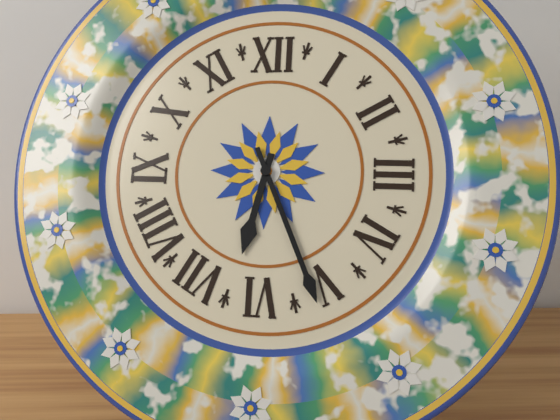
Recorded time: 6:26
